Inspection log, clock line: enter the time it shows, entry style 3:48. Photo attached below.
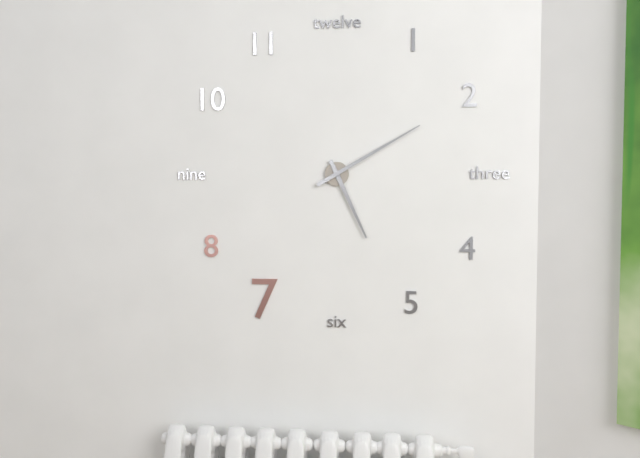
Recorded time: 5:10
